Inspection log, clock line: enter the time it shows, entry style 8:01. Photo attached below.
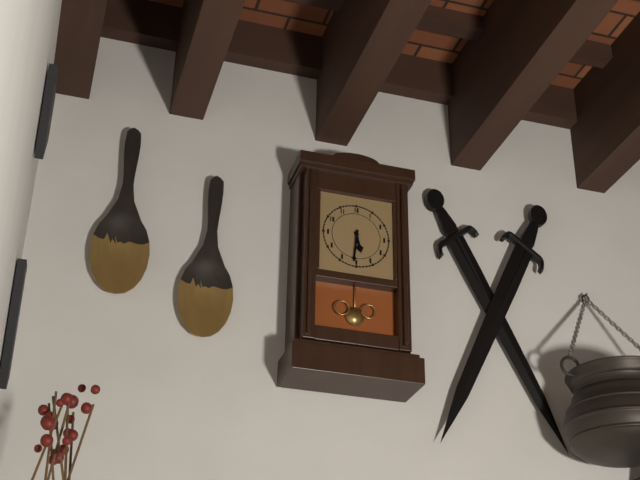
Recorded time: 5:31
